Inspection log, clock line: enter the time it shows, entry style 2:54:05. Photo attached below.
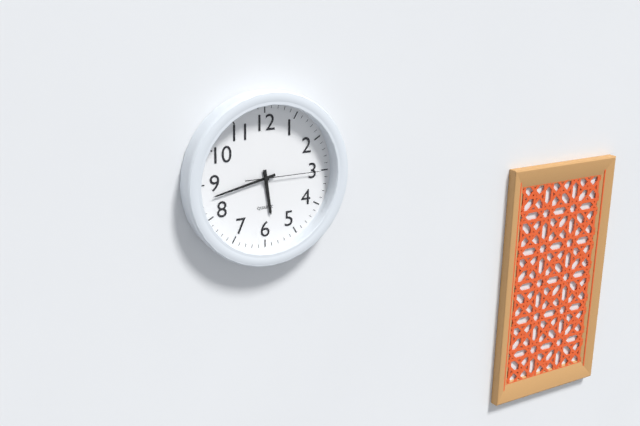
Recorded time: 5:43:15
